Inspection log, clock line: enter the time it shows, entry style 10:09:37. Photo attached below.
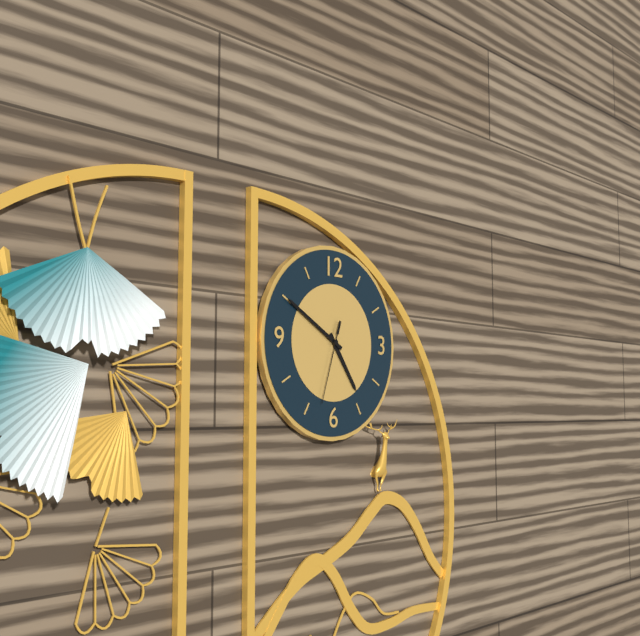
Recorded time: 4:50:33
